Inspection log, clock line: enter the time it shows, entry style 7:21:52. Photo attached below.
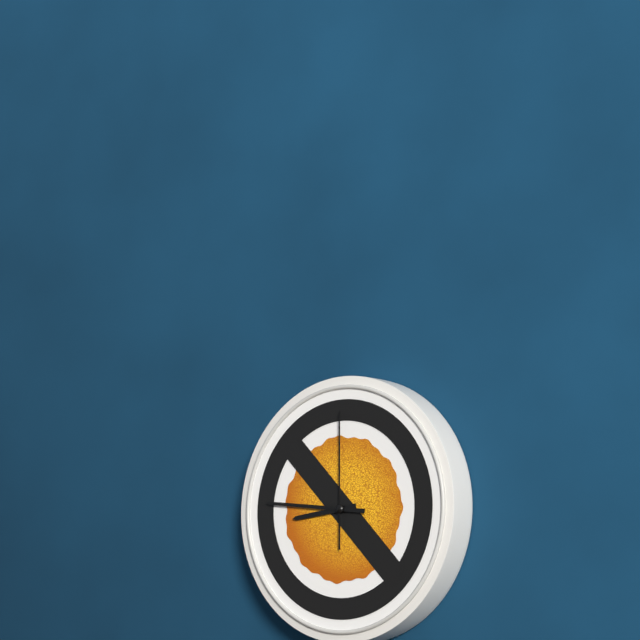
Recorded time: 8:46:00
